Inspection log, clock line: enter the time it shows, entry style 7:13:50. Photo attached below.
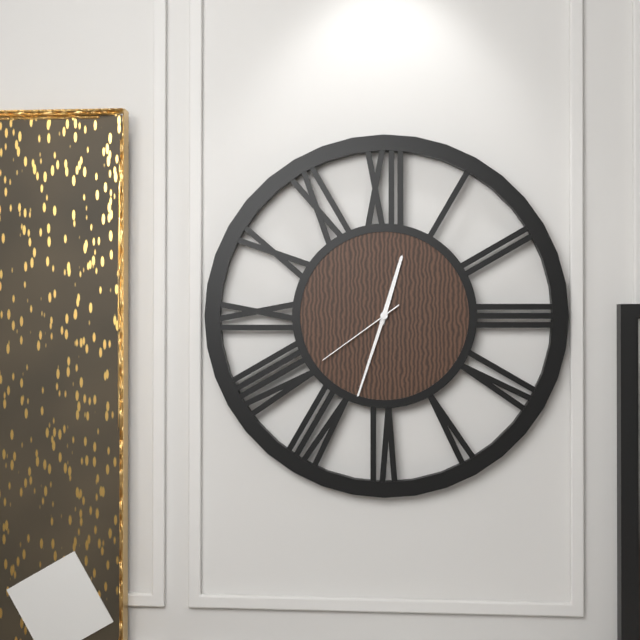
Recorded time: 12:33:39
